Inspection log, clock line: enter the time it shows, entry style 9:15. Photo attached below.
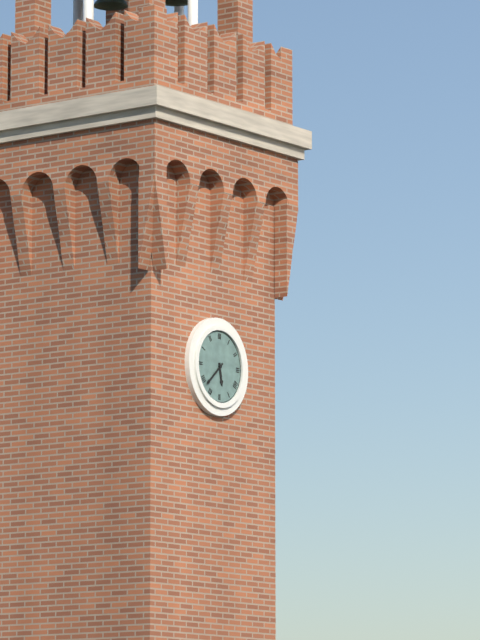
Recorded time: 5:38
